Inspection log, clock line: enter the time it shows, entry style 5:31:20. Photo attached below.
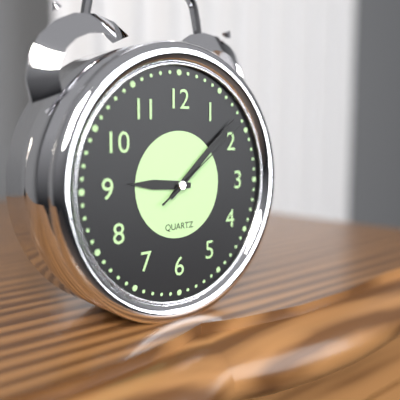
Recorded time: 9:08:09
